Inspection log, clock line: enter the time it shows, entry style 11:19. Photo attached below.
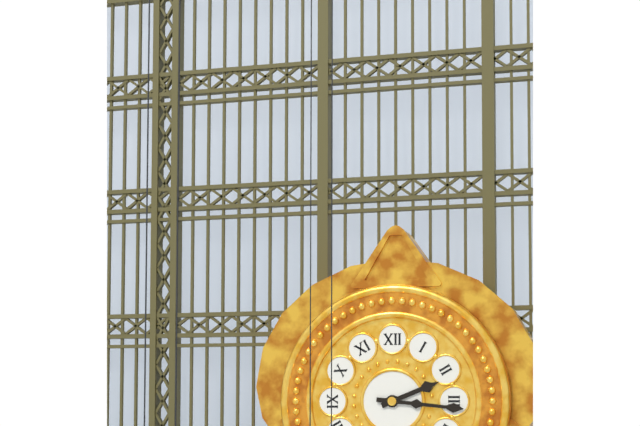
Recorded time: 2:16
